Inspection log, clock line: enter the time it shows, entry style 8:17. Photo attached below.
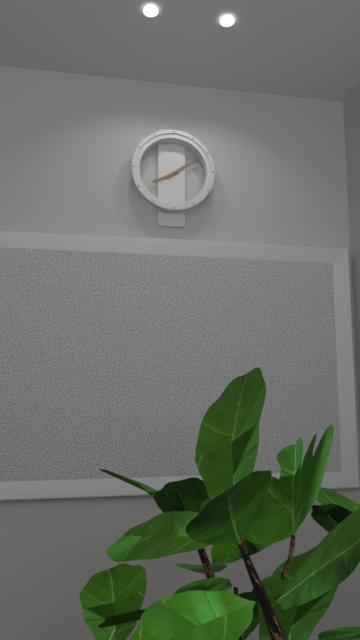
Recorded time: 8:09
